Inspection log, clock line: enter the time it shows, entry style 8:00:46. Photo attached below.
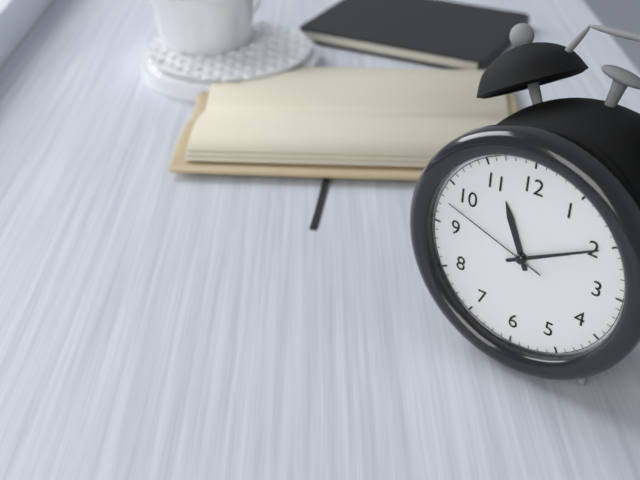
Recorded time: 11:10:48
